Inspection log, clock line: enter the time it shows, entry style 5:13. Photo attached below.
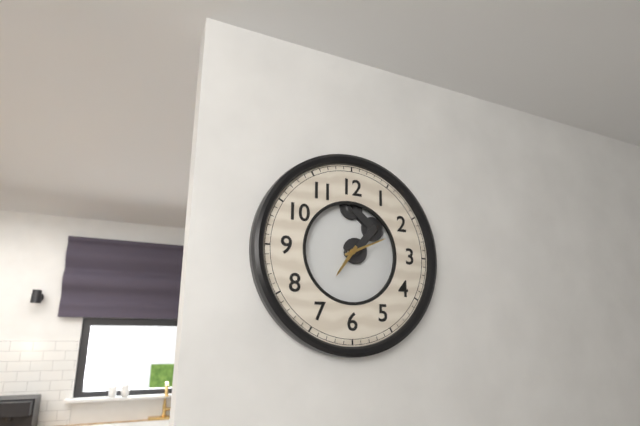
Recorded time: 7:11
